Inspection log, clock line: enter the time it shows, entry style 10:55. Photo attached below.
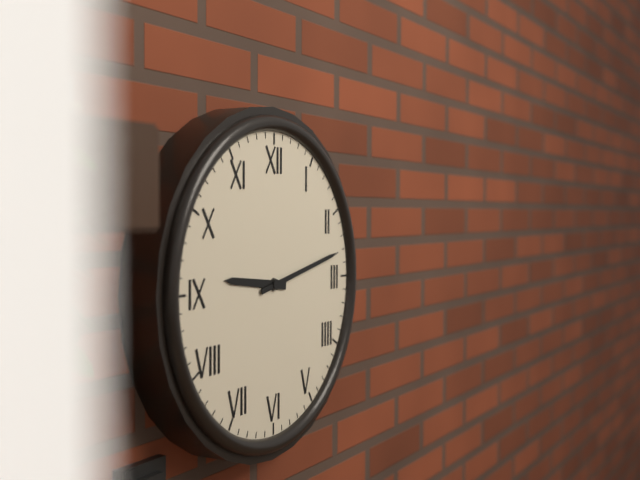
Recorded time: 9:13
